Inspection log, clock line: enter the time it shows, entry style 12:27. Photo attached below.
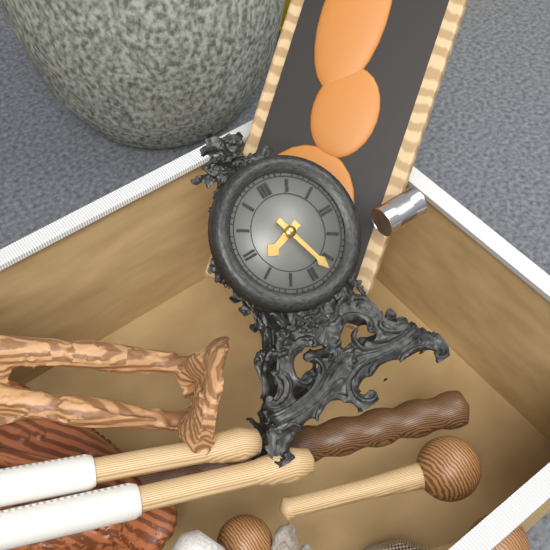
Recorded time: 8:27
